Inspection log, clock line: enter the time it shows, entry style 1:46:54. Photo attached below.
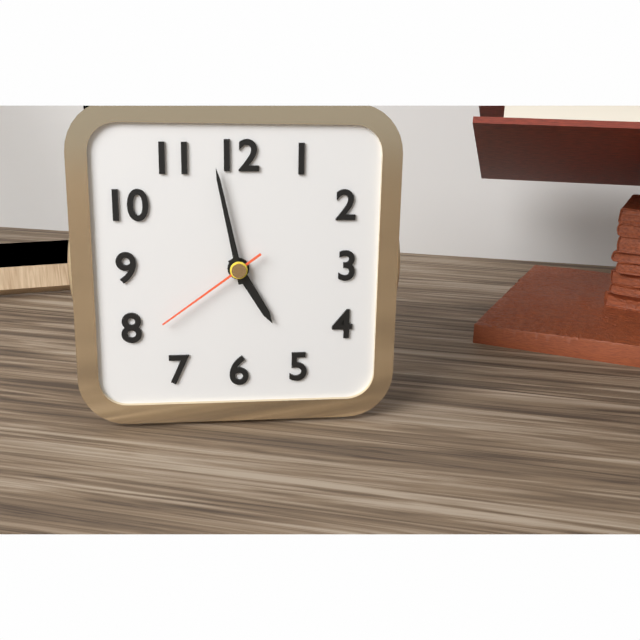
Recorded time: 4:58:39
